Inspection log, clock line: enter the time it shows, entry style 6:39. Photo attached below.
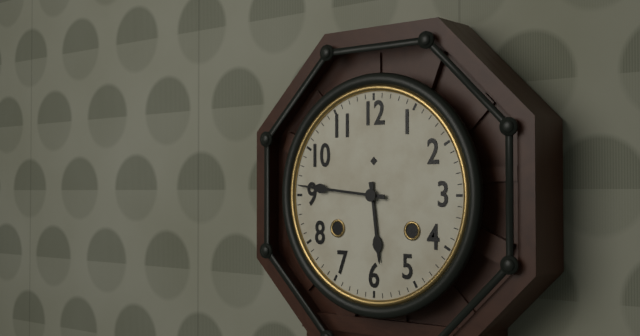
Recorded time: 5:46
